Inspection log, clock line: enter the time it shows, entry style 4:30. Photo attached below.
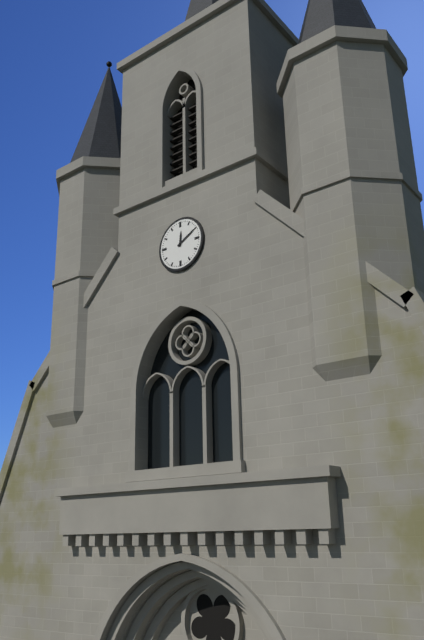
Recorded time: 12:10
